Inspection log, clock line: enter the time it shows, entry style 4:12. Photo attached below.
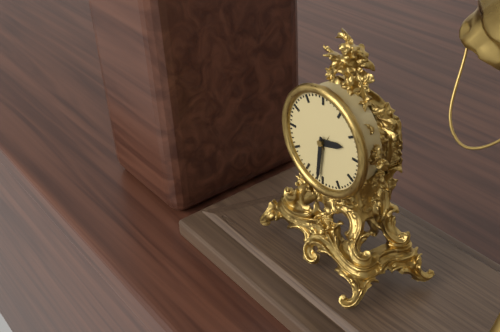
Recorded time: 2:31
